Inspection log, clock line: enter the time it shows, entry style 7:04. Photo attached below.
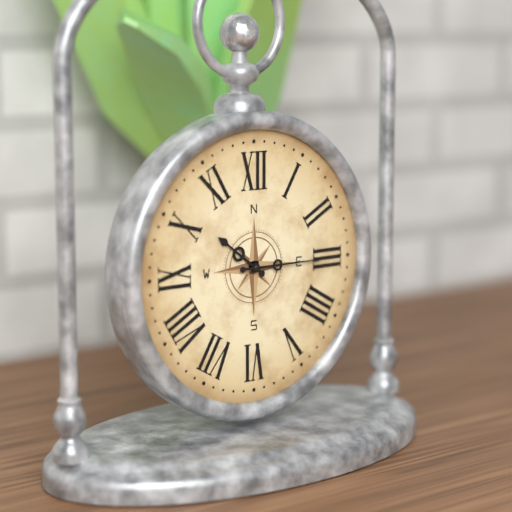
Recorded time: 10:15
